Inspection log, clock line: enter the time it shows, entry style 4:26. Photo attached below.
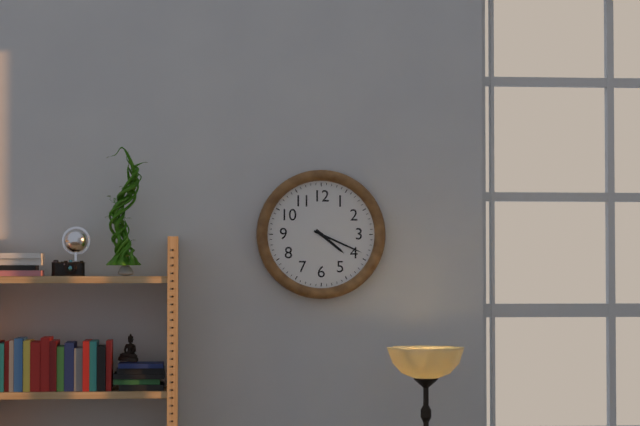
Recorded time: 4:19
